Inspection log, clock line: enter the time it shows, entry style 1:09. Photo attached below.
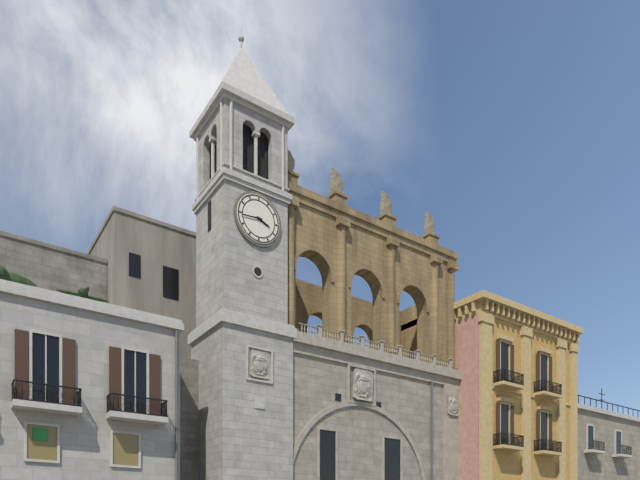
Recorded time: 3:44
